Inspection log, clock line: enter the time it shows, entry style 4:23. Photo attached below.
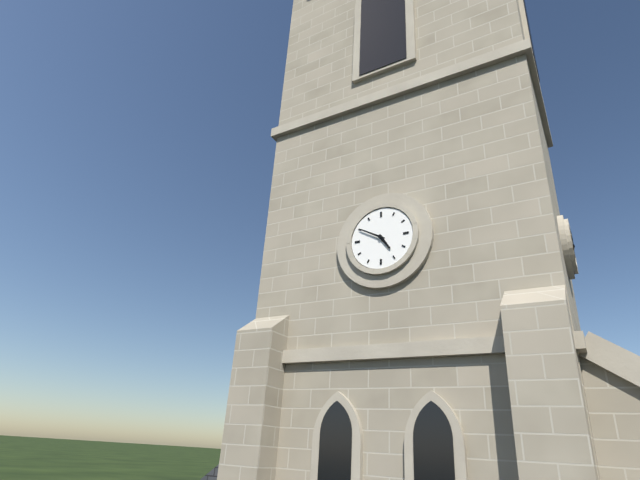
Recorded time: 4:50
